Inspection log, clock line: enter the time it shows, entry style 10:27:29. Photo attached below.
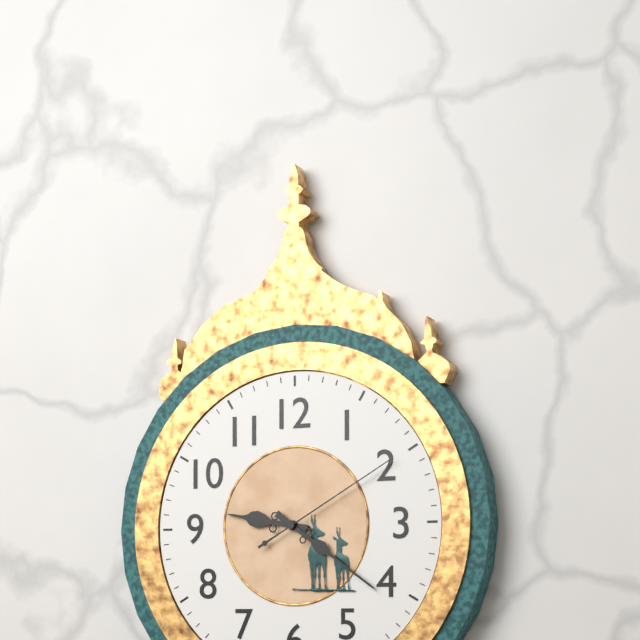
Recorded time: 9:21:10
